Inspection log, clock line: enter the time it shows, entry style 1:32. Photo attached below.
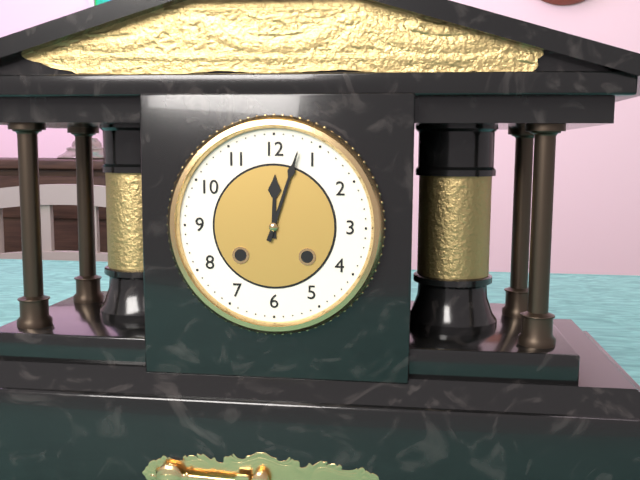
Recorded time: 12:03
